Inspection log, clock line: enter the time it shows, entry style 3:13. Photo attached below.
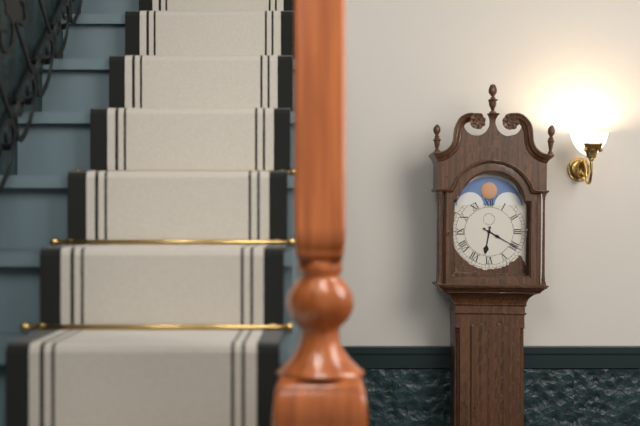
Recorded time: 6:20
